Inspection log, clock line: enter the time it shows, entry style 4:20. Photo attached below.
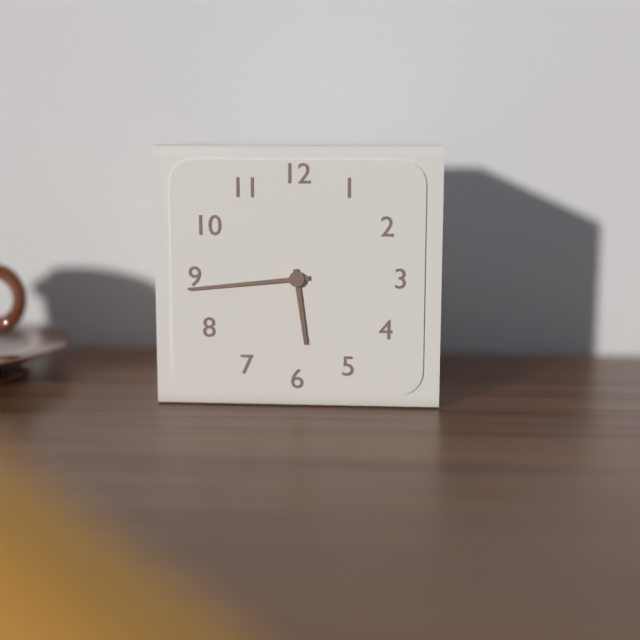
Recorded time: 5:44
